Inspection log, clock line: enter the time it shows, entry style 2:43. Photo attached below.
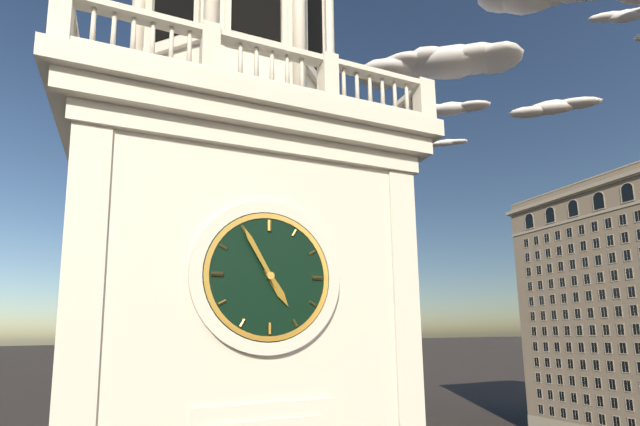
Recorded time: 4:55
